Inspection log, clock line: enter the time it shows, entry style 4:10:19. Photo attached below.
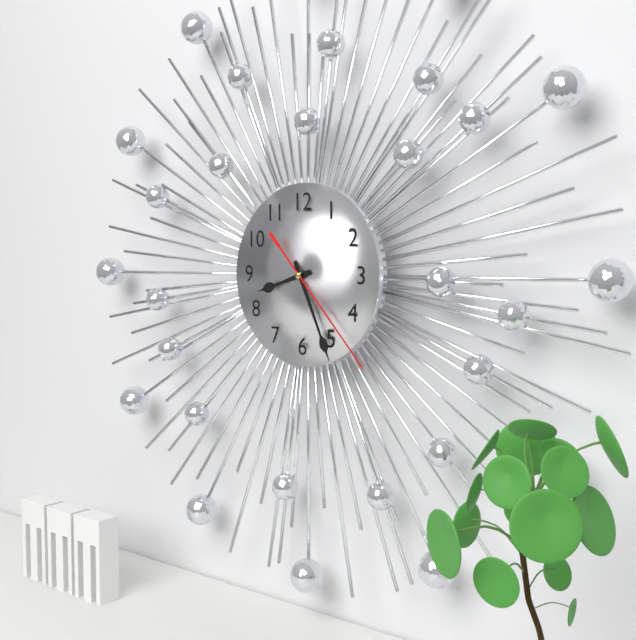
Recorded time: 8:26:23
